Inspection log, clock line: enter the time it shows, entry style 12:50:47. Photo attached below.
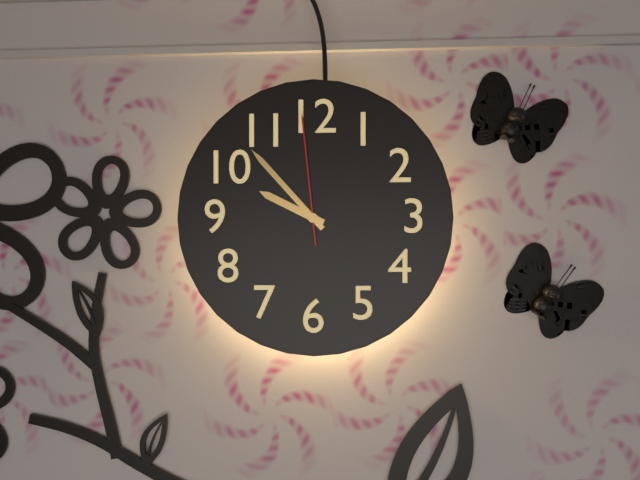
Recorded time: 9:53:59
